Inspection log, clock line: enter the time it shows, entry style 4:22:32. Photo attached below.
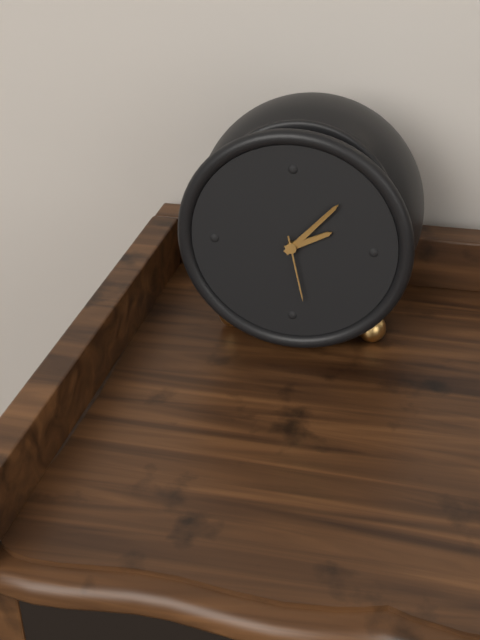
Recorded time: 2:07:28
